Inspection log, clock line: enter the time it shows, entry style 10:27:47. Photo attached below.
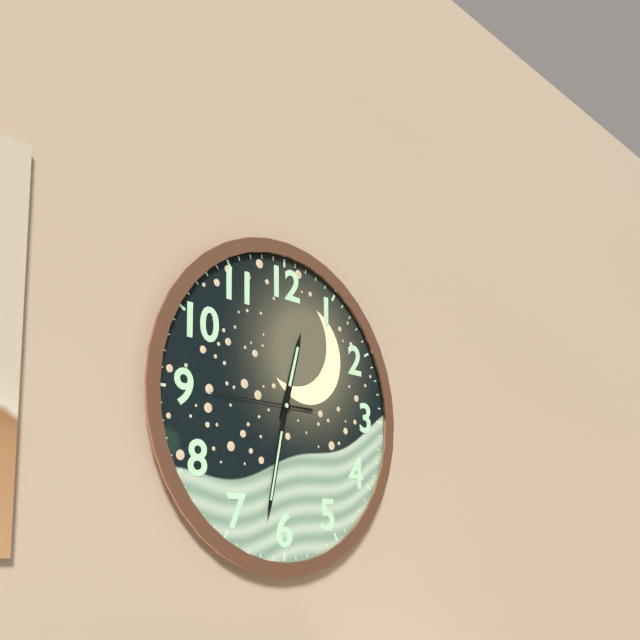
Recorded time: 12:32:45
